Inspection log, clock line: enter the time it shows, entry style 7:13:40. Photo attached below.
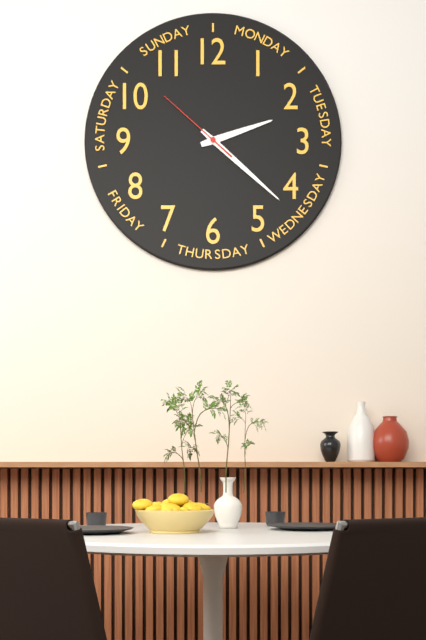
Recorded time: 2:22:52
